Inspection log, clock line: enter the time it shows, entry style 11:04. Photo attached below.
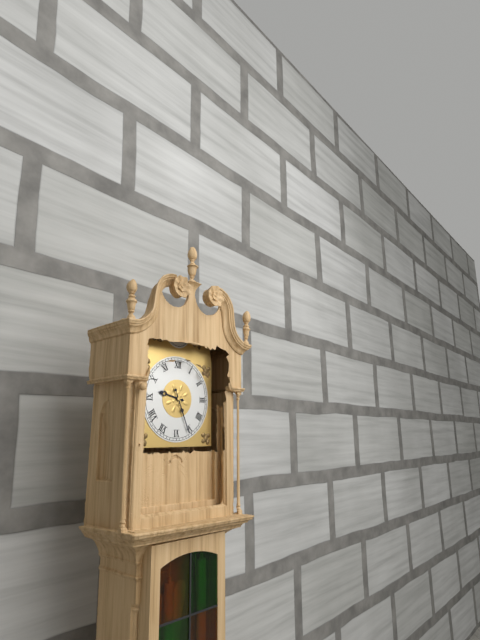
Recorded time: 9:26
